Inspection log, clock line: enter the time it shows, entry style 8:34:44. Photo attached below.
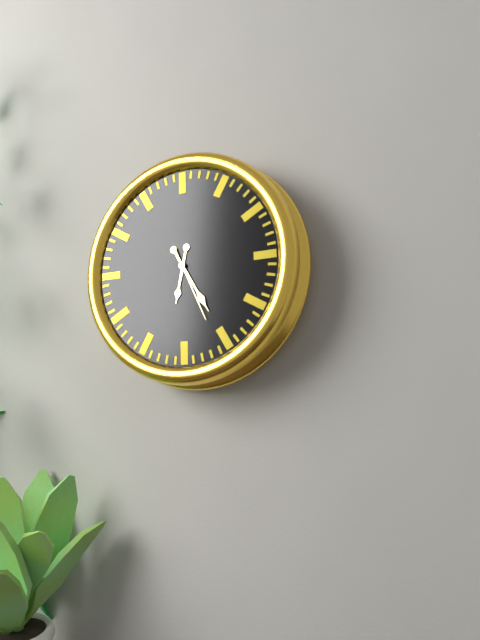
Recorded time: 6:25:26
